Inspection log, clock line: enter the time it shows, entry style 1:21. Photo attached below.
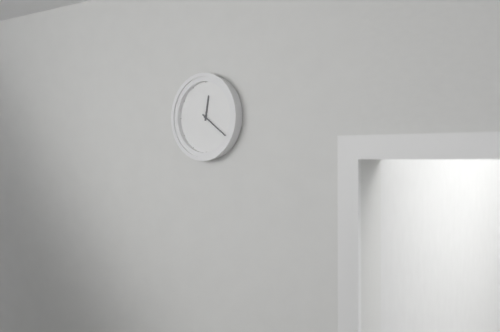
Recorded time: 12:21
